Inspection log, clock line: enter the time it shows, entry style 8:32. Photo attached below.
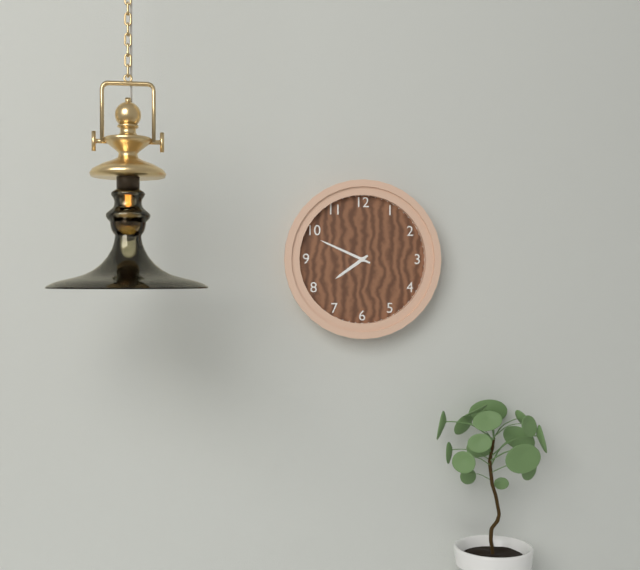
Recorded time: 7:49
